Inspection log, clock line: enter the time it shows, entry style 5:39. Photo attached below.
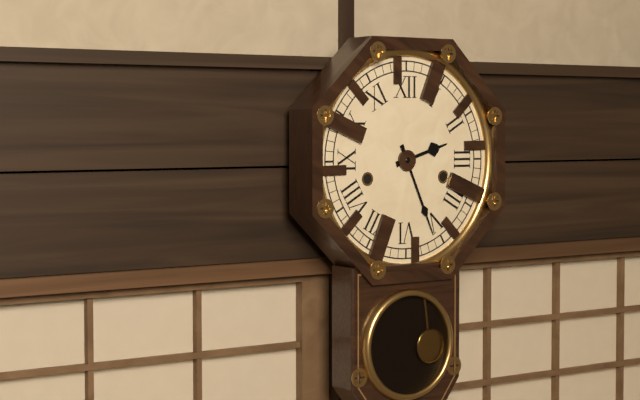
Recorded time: 2:26
